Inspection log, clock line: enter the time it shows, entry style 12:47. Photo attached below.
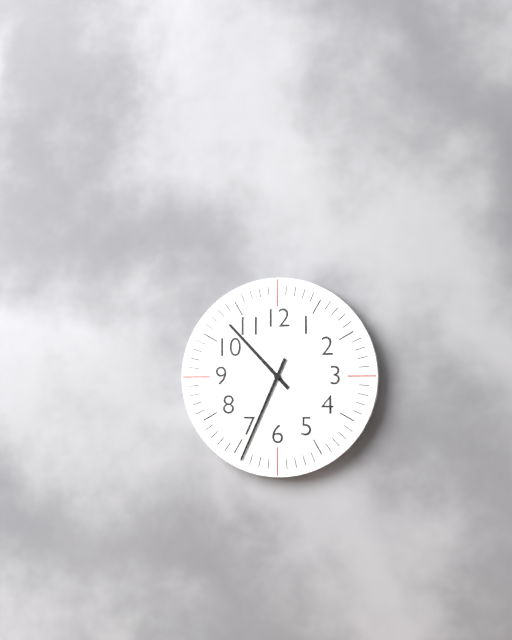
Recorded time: 10:34
